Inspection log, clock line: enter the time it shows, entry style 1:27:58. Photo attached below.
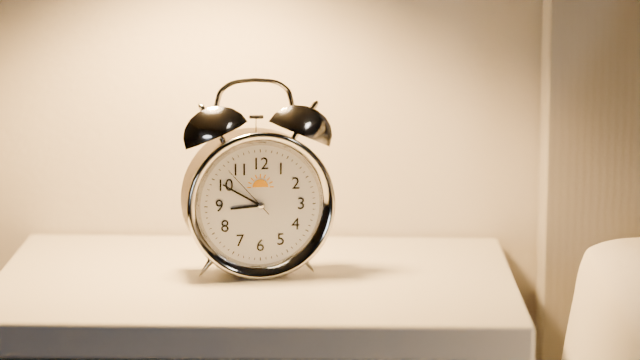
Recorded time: 8:50:53
